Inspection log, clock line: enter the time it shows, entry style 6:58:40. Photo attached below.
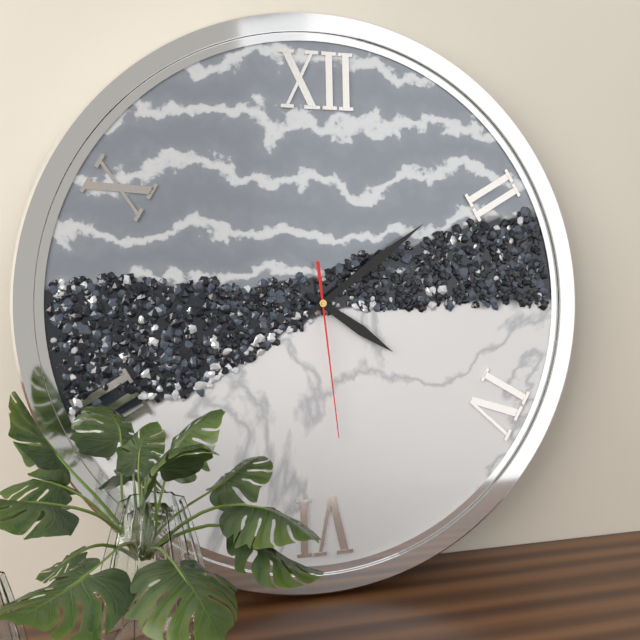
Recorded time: 4:09:29
